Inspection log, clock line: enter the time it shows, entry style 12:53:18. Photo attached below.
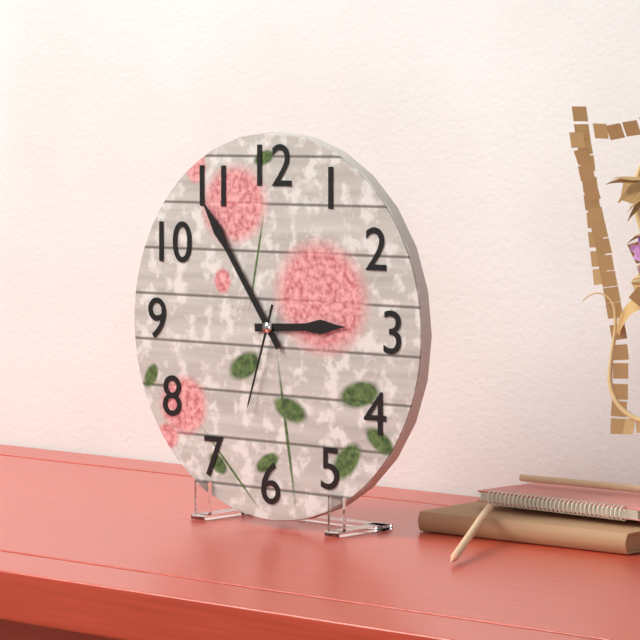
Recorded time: 2:54:33
